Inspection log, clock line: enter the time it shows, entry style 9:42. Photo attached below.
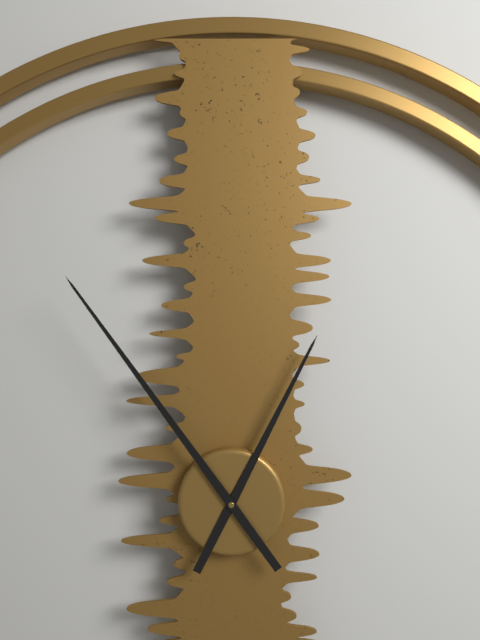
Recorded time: 12:54
